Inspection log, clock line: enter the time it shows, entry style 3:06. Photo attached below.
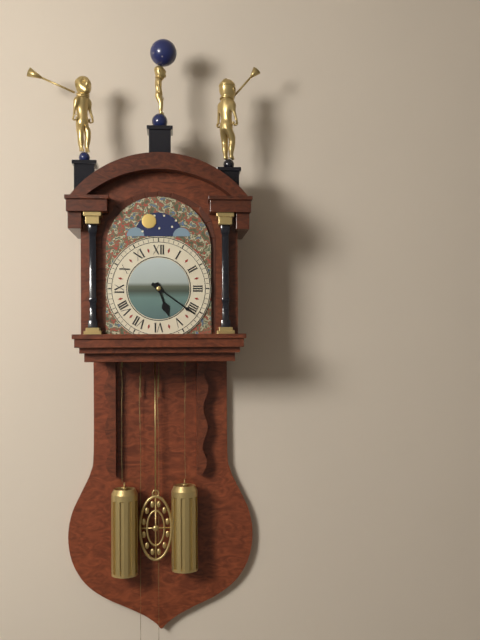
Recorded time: 5:21
